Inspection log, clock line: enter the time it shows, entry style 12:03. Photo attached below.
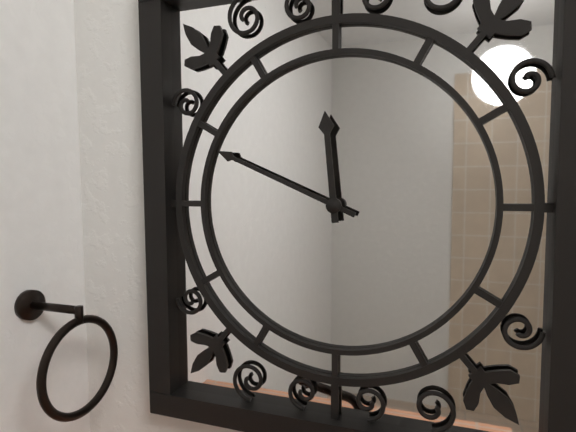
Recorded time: 11:49
